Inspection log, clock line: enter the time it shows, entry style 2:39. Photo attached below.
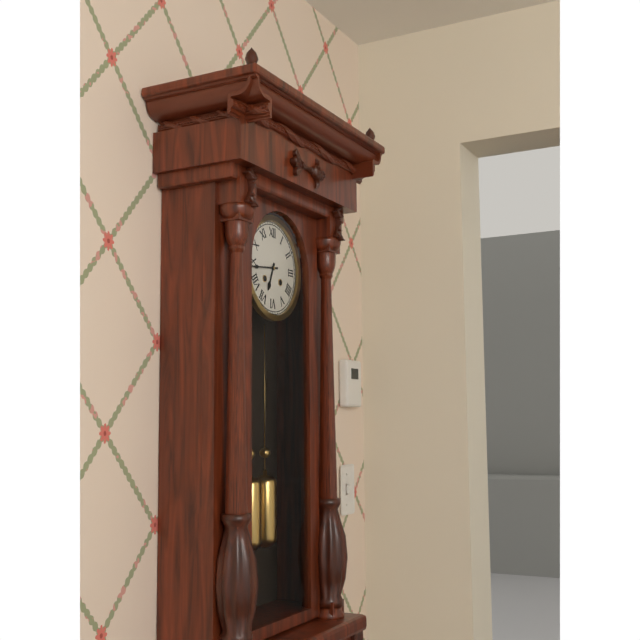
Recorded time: 6:44
